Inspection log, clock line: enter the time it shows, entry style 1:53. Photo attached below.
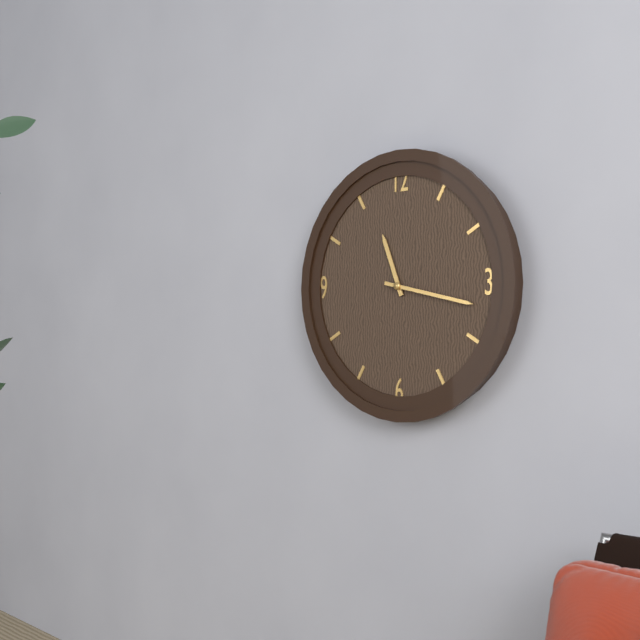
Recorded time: 11:17
